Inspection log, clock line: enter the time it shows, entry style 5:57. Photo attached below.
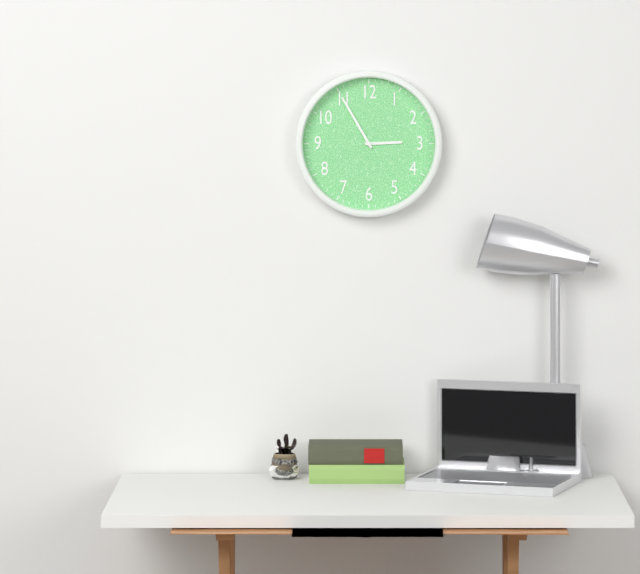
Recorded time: 2:55
